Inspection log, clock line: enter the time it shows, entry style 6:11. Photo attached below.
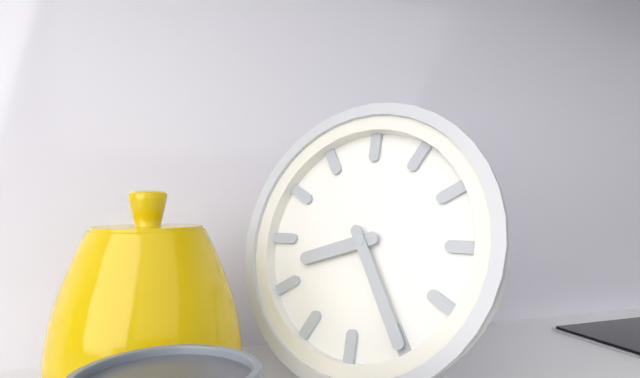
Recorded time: 8:25
